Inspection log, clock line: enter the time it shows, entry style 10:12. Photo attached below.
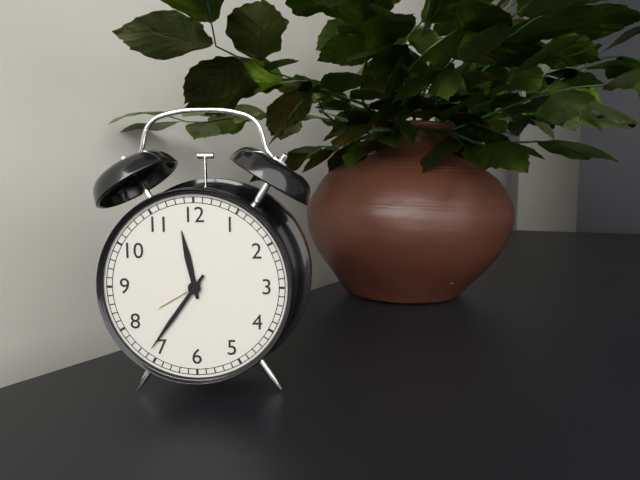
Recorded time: 11:36
